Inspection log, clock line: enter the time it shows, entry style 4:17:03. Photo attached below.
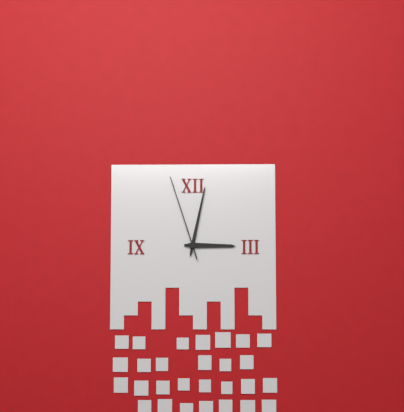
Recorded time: 3:02:57
